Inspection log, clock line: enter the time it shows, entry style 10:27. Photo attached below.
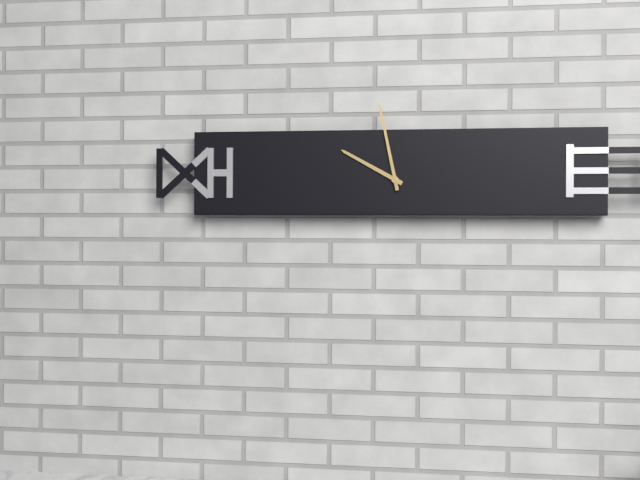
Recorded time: 9:58
